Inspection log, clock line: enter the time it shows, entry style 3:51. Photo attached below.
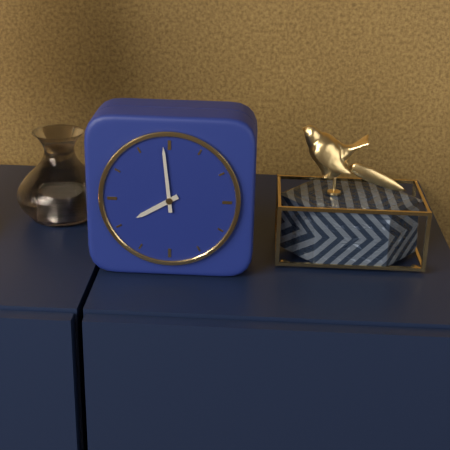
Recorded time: 7:59
